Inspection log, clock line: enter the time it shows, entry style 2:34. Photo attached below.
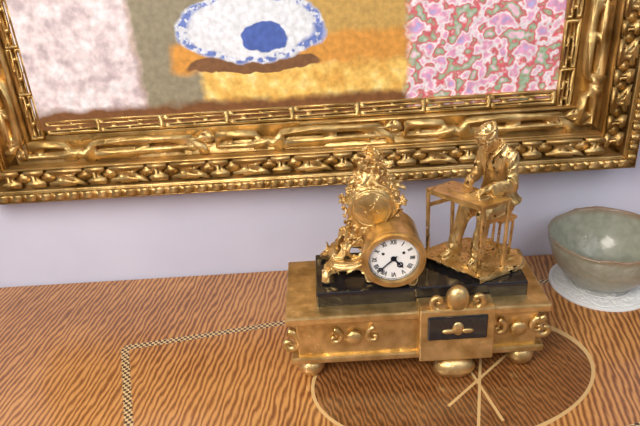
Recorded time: 4:38
